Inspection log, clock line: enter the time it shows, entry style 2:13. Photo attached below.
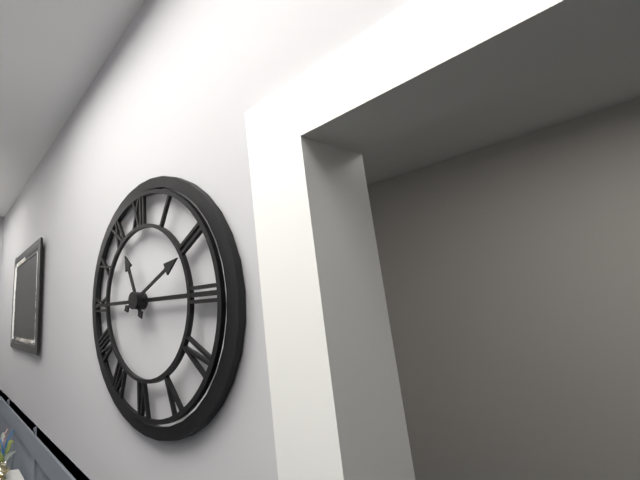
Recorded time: 11:11
